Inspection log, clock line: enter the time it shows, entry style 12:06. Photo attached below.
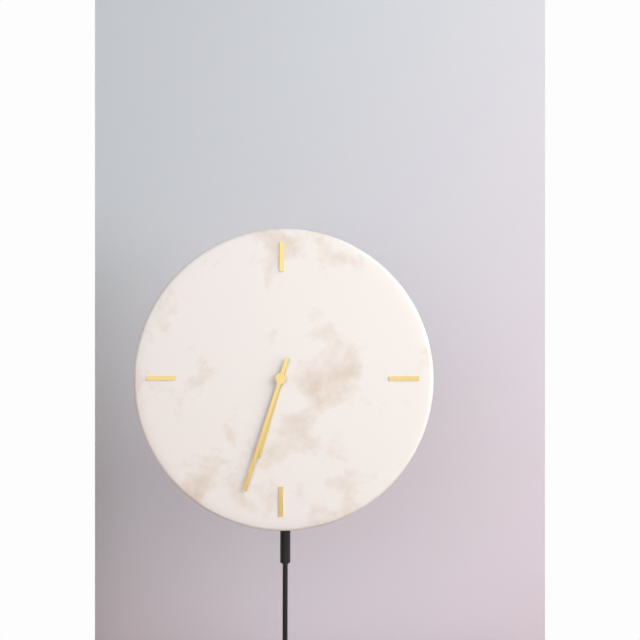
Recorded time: 6:33
